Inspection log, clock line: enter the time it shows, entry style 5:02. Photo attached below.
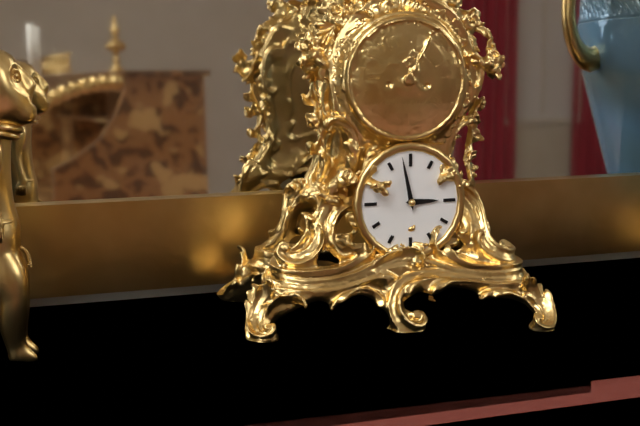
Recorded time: 2:58
